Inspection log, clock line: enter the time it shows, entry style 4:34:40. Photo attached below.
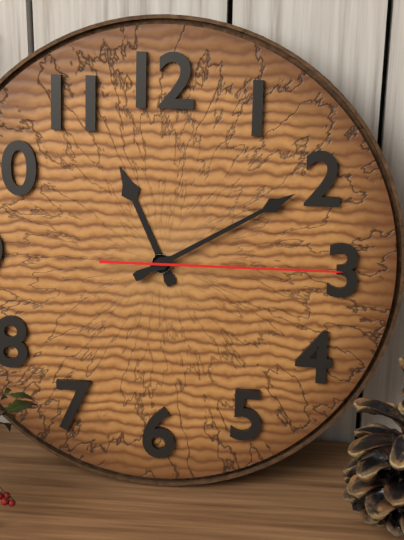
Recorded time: 11:10:15
